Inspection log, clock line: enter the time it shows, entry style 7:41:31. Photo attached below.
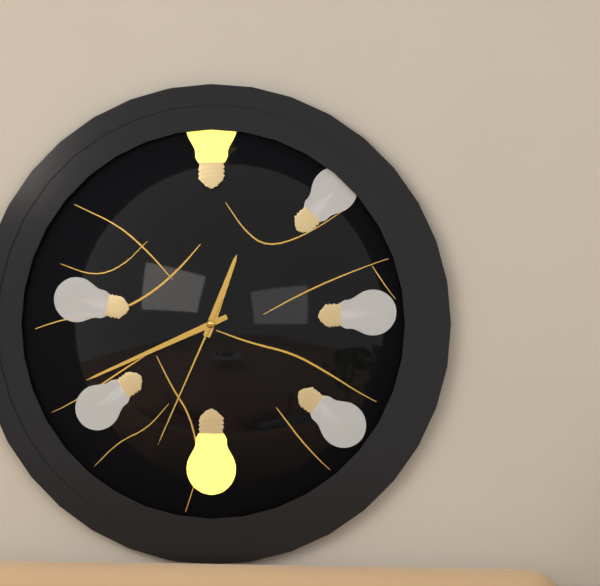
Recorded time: 12:41:34
